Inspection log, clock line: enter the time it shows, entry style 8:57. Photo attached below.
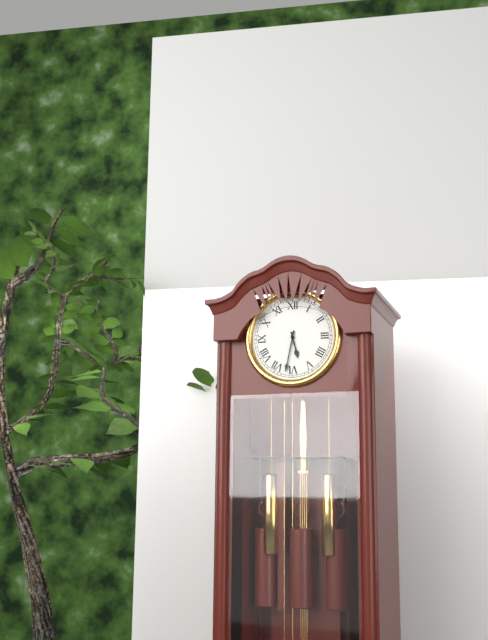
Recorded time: 5:32
